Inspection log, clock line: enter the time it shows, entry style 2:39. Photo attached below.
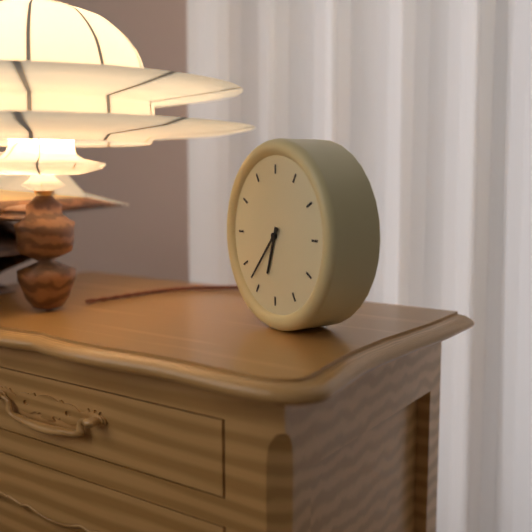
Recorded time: 6:37
